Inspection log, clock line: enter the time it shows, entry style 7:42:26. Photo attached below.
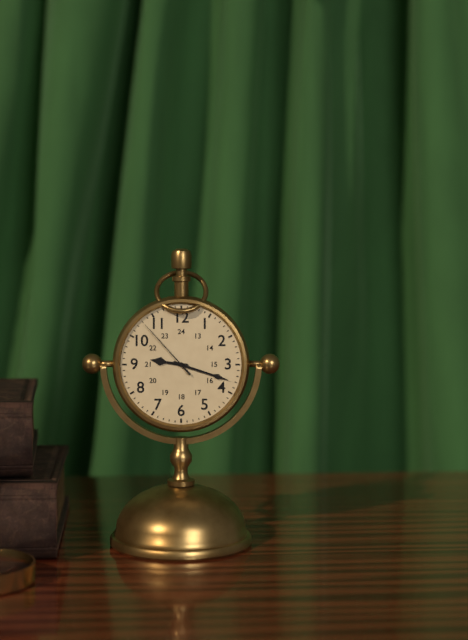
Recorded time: 9:18:53
